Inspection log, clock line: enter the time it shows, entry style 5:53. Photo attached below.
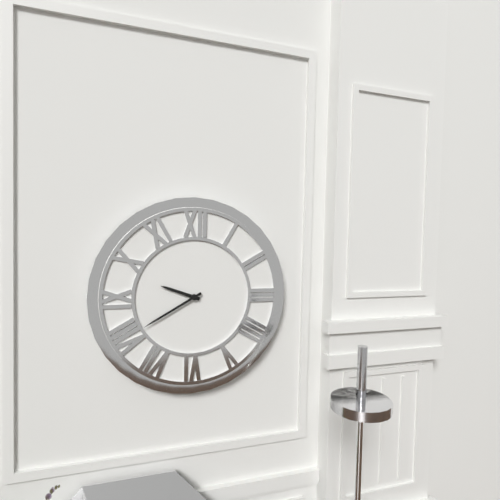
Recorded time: 9:40
